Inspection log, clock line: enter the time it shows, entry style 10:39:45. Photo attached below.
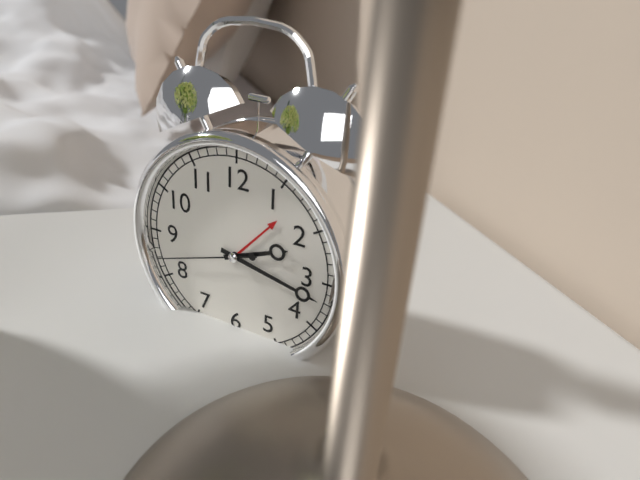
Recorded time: 2:17:42
